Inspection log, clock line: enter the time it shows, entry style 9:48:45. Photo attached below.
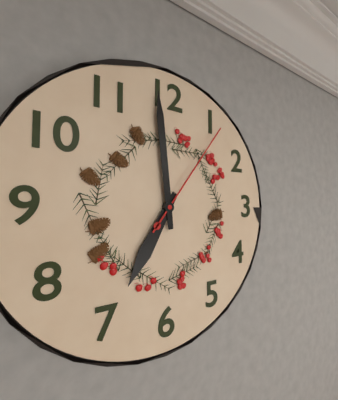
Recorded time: 6:59:06
